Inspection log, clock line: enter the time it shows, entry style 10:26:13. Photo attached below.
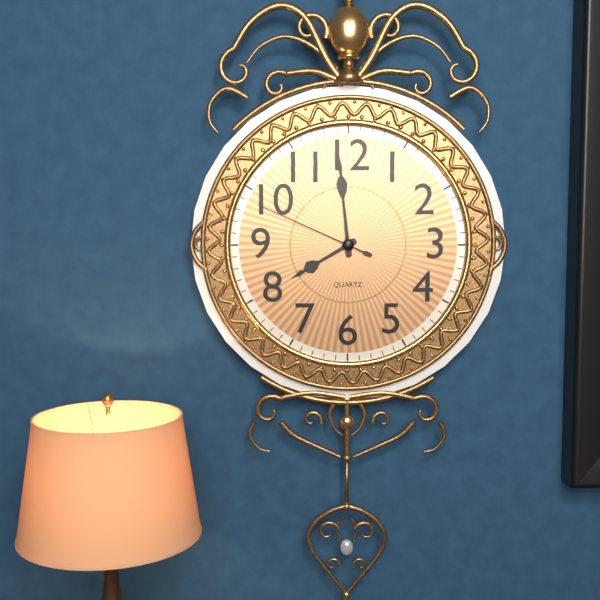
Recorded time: 7:59:49
